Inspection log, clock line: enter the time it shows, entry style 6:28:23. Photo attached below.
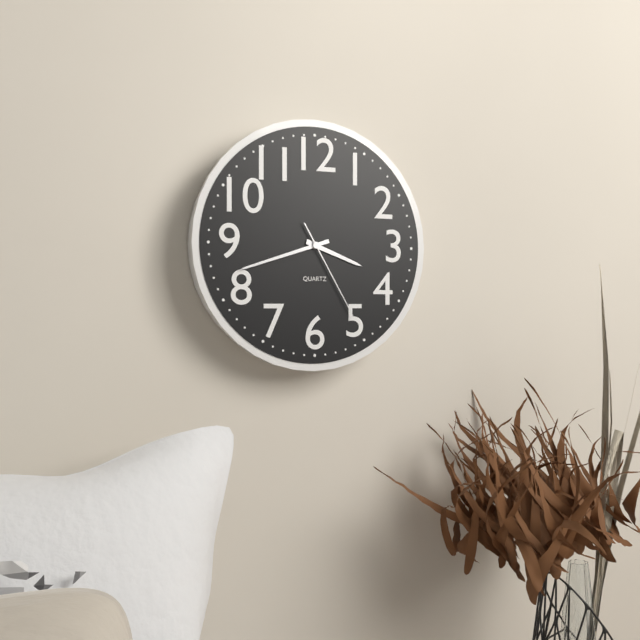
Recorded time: 3:42:25
